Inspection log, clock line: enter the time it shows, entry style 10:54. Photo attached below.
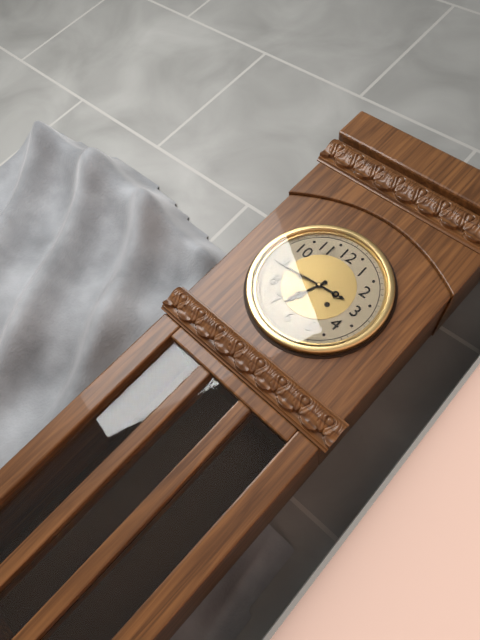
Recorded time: 6:44
